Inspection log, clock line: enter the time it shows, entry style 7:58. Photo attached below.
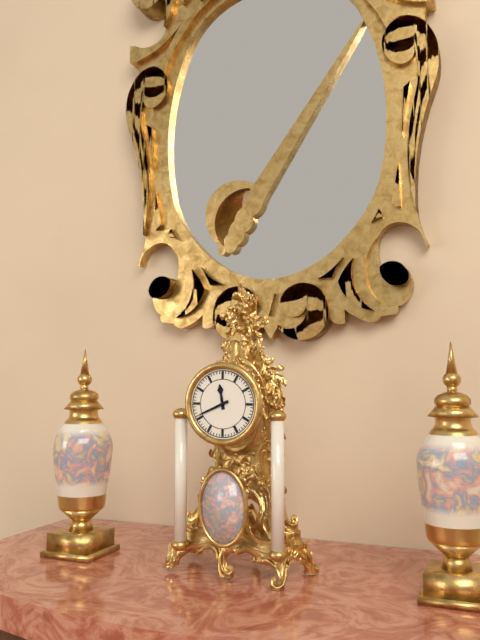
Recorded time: 11:41
